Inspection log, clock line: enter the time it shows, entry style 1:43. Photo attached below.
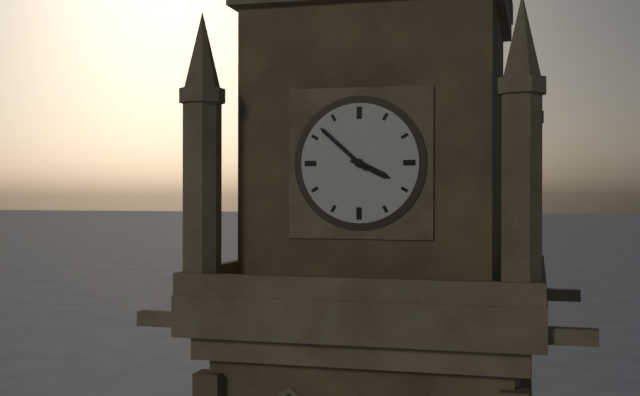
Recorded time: 3:52
